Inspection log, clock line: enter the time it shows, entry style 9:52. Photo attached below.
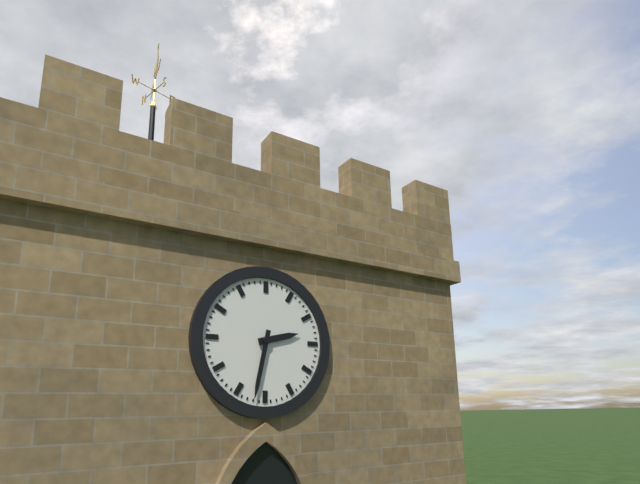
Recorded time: 2:32
